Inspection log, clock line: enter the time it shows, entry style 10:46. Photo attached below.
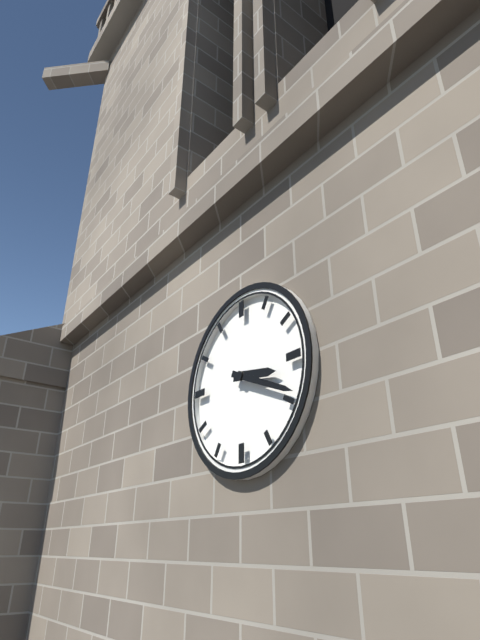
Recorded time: 3:19
